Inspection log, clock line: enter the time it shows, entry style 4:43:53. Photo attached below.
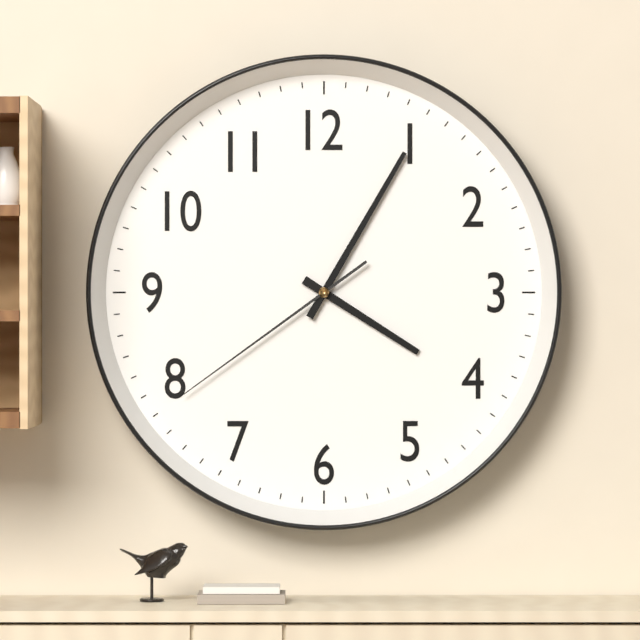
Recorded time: 4:05:39
